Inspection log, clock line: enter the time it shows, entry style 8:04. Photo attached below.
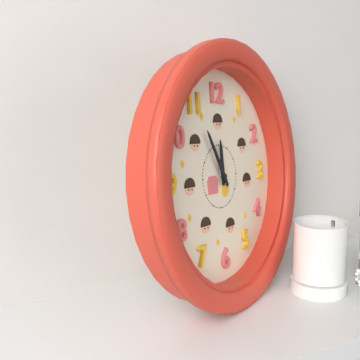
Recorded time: 11:55
